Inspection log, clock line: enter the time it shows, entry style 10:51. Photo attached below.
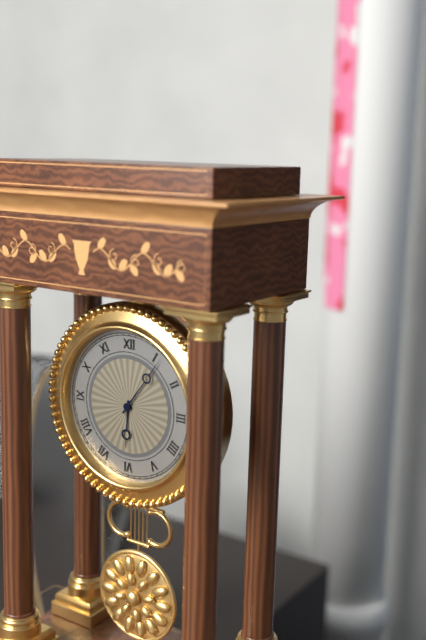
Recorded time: 6:06
